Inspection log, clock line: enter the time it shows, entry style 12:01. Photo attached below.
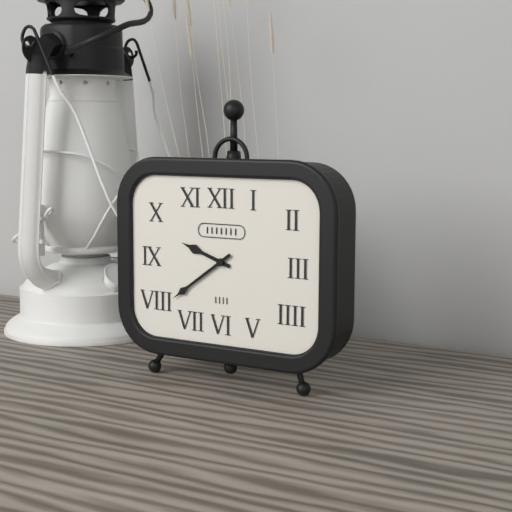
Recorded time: 9:39
